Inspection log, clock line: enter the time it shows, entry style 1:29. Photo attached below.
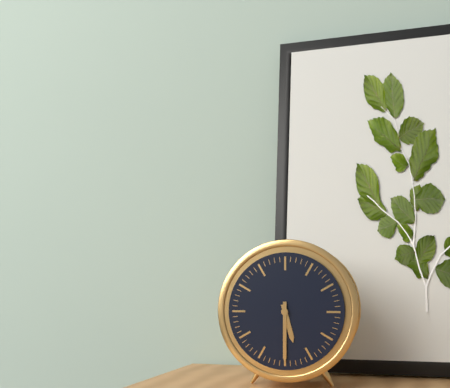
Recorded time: 5:30
